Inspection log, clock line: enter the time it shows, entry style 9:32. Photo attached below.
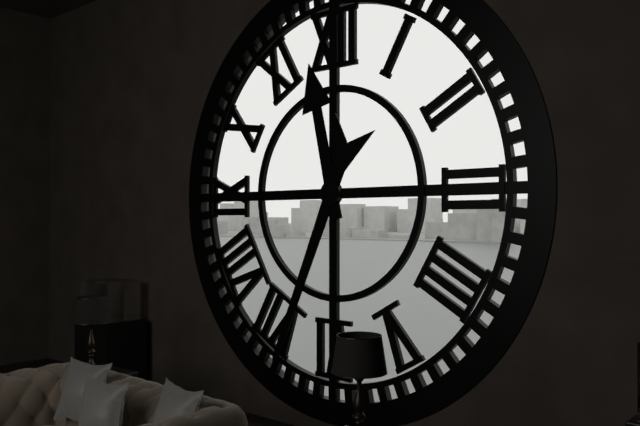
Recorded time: 11:34
